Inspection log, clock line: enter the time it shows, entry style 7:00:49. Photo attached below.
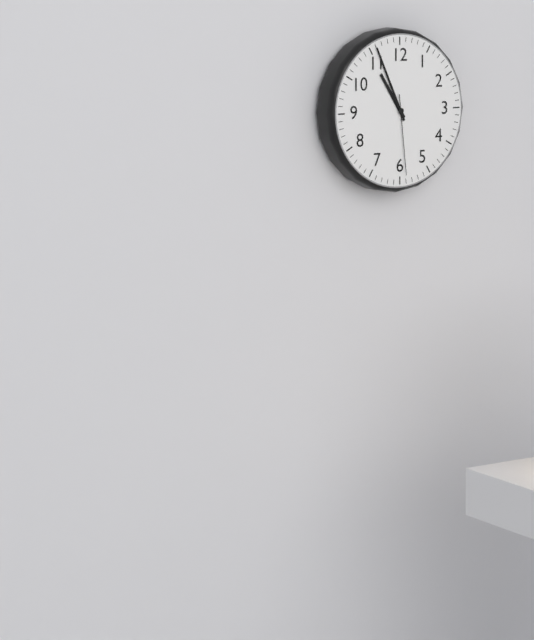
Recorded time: 10:56:29
